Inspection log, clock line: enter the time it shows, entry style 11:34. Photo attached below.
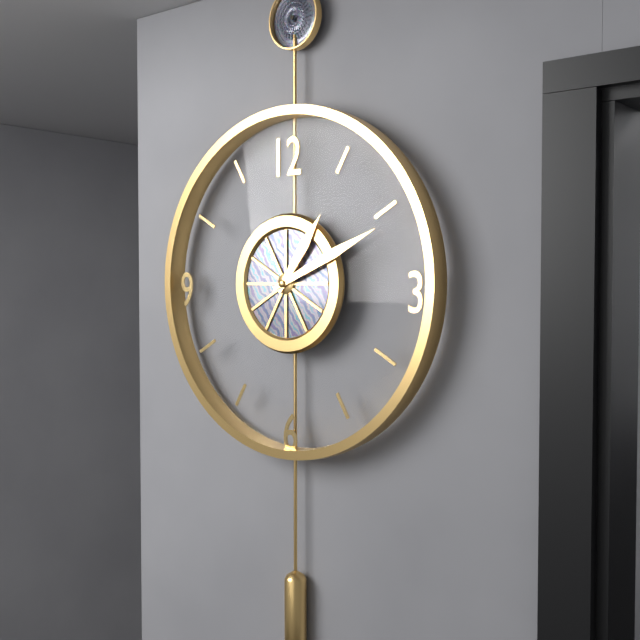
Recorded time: 1:11
